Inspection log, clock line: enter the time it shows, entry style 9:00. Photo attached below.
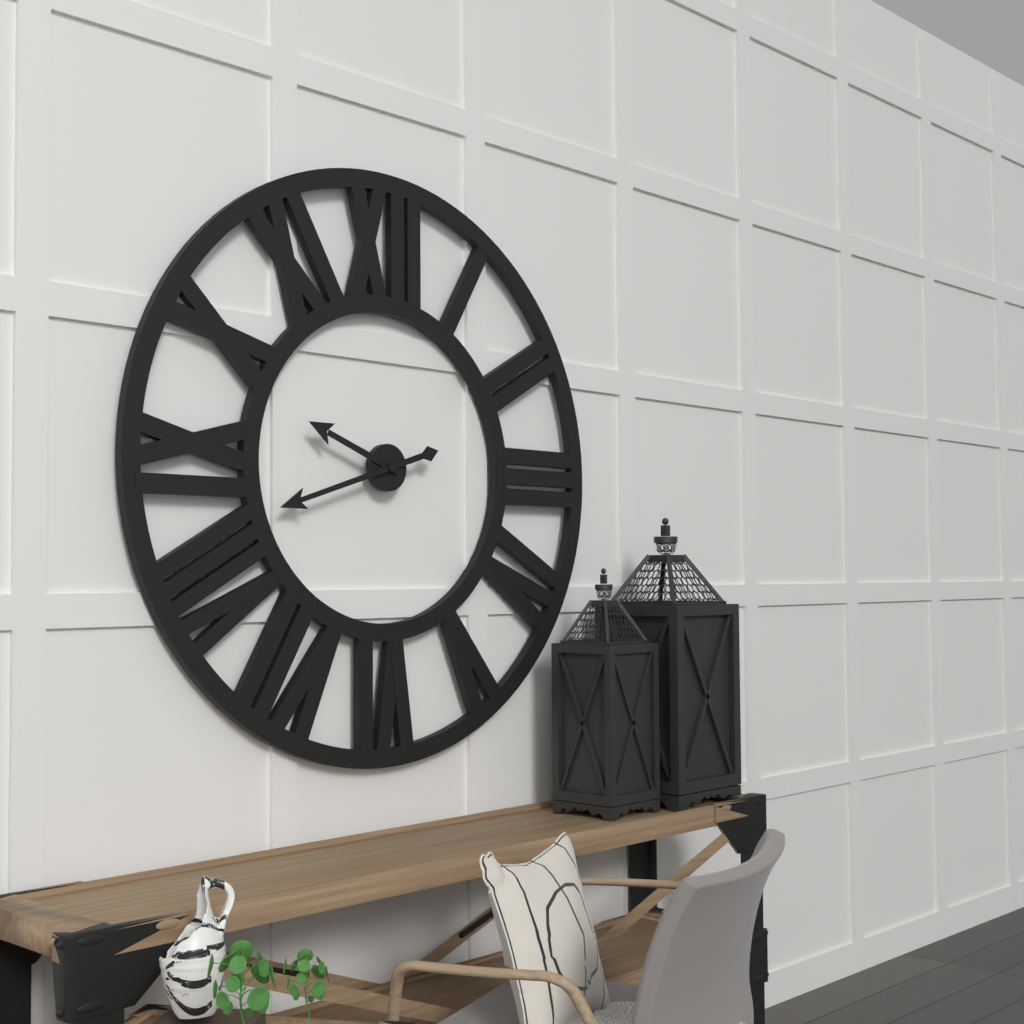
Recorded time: 9:42
